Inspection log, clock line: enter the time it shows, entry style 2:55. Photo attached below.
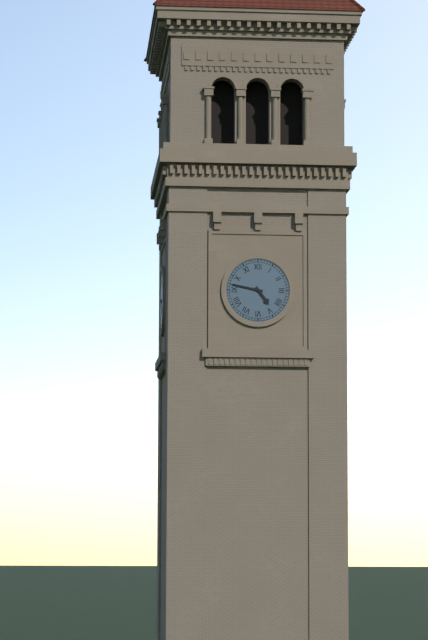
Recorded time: 4:47
